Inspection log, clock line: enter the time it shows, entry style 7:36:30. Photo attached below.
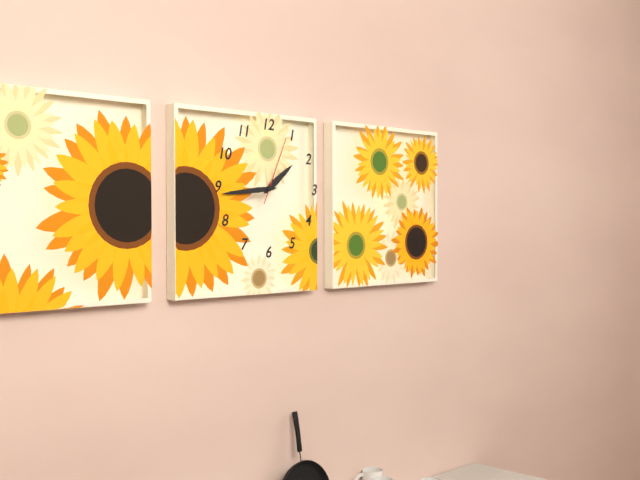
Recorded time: 1:44:04
